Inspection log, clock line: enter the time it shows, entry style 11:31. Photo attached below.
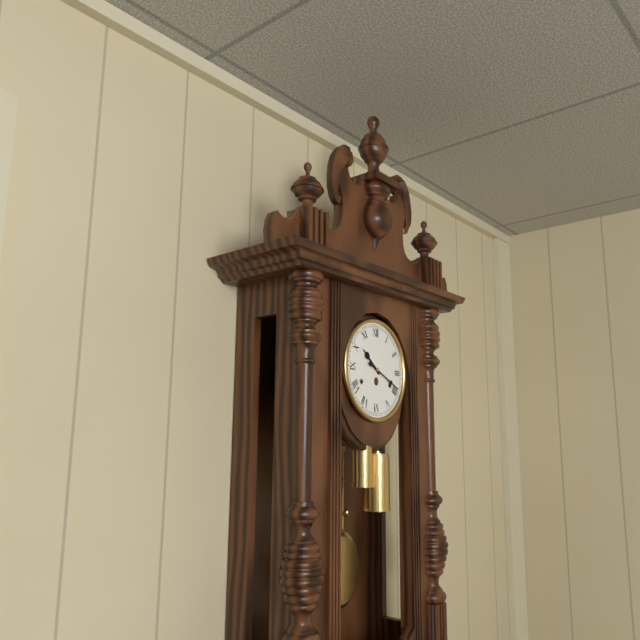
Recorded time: 10:19
